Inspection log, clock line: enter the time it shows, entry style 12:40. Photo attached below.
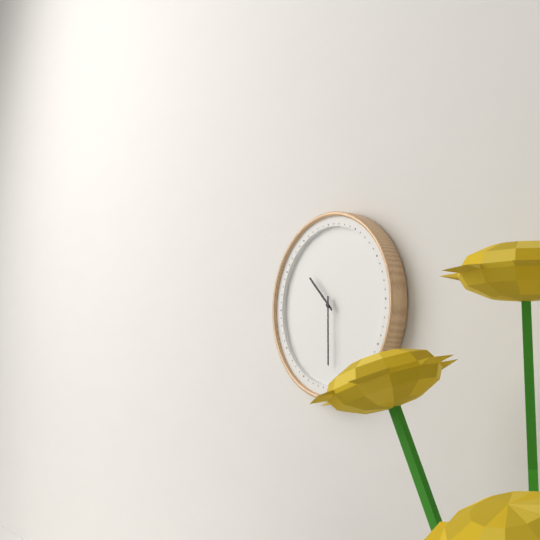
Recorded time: 10:30
